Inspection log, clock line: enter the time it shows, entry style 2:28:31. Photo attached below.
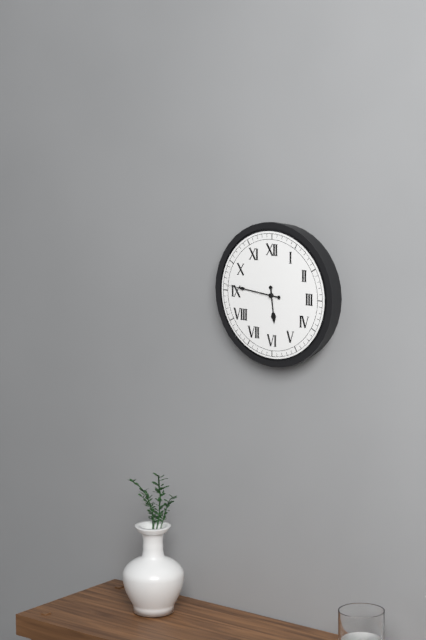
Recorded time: 5:46:46
